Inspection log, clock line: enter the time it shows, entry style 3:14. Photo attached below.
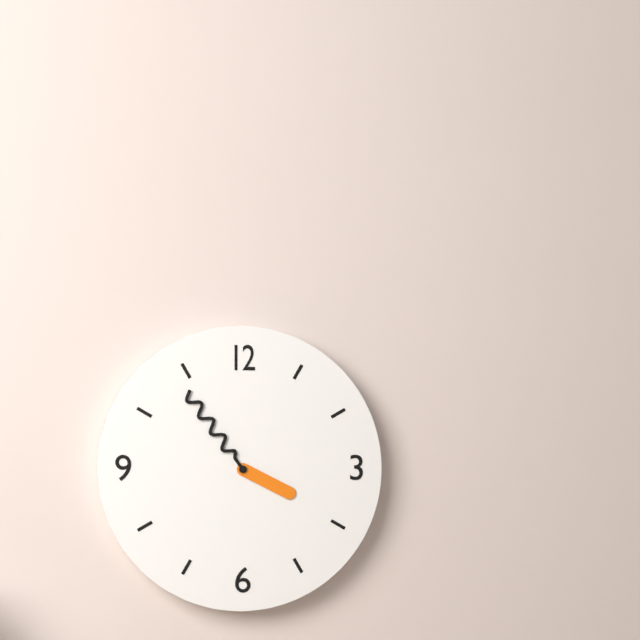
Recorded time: 3:54
